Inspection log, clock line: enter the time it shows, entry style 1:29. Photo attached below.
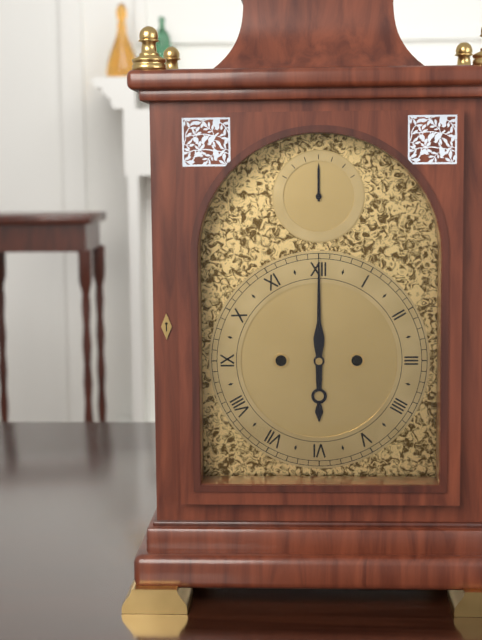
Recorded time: 6:00
